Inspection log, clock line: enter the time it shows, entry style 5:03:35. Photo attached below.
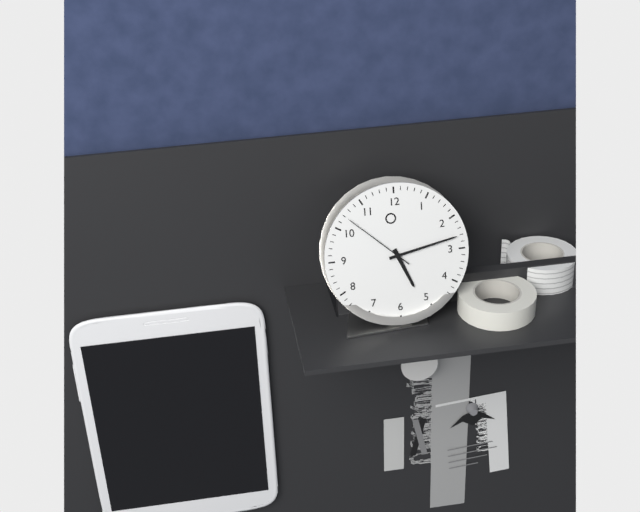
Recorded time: 5:13:52
